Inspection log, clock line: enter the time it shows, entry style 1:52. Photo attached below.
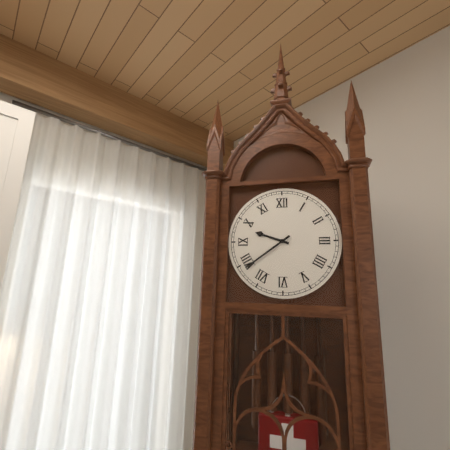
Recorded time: 9:39
